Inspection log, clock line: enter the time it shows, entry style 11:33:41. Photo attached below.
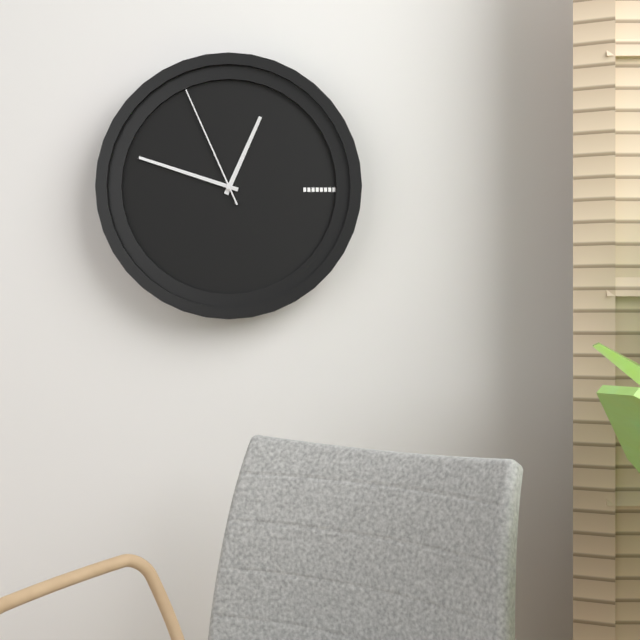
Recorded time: 12:48:56
